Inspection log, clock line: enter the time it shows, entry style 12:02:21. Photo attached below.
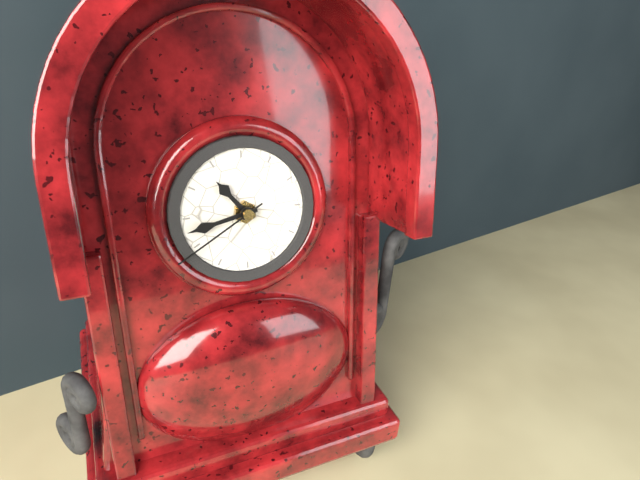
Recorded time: 10:43:40
